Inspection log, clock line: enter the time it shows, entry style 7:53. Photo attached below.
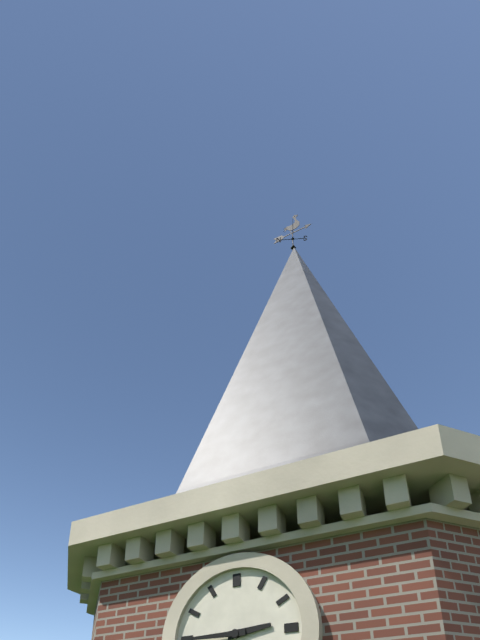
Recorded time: 2:45
